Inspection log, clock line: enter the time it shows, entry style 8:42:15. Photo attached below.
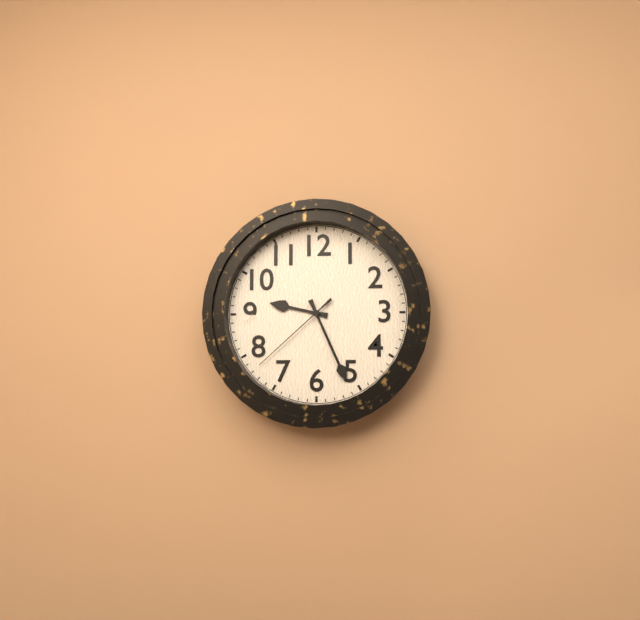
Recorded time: 9:26:38
